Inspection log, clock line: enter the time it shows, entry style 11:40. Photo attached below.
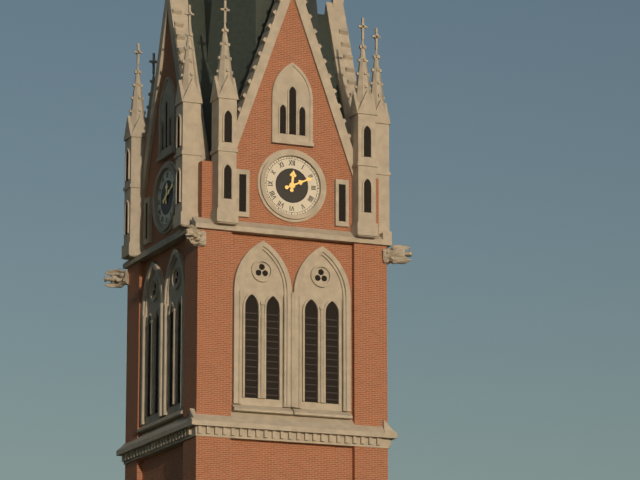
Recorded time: 12:11
